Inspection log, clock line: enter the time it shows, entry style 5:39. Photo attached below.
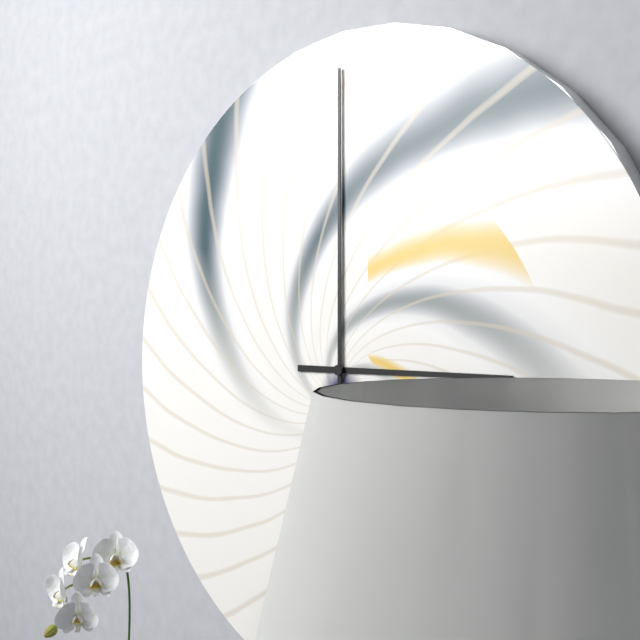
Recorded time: 3:00
